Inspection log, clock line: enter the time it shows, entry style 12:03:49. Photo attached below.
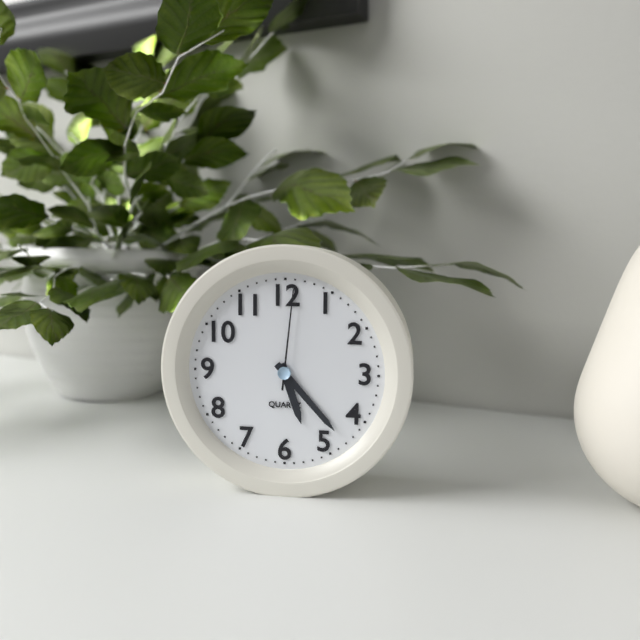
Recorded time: 5:23:01
